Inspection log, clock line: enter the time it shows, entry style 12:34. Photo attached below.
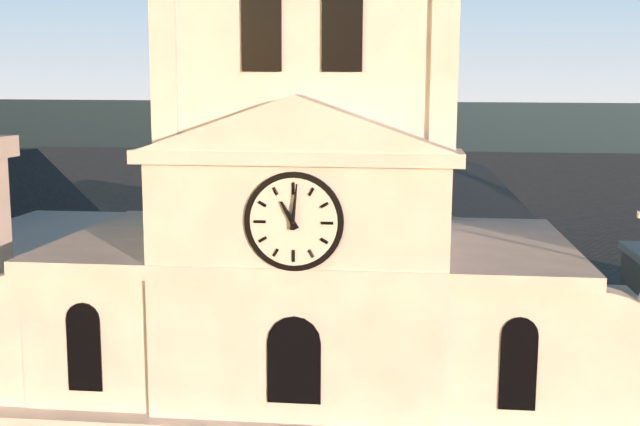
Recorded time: 11:01
